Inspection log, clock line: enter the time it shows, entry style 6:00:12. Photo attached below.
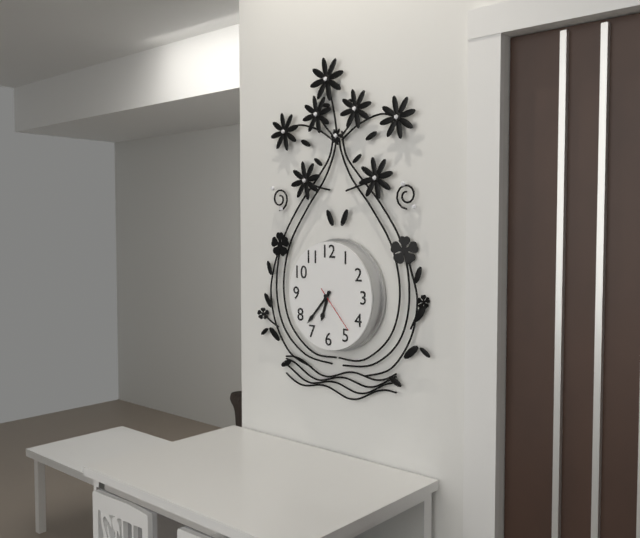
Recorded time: 6:37:23
